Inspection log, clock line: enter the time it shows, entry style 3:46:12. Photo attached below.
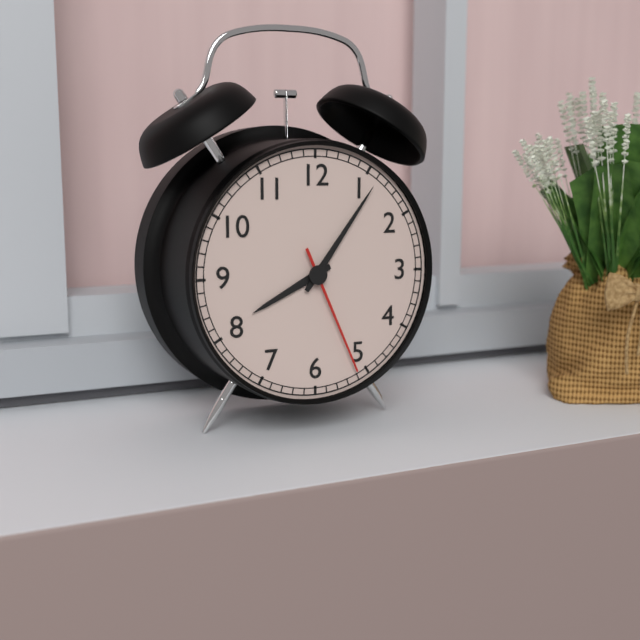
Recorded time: 8:06:26
